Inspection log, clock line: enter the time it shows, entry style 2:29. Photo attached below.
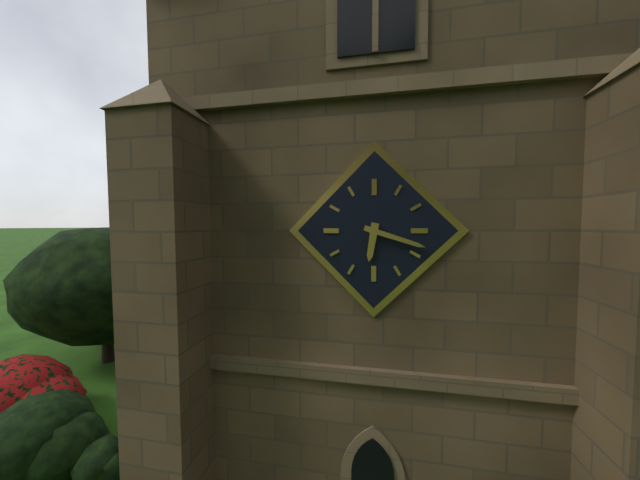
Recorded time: 6:18
